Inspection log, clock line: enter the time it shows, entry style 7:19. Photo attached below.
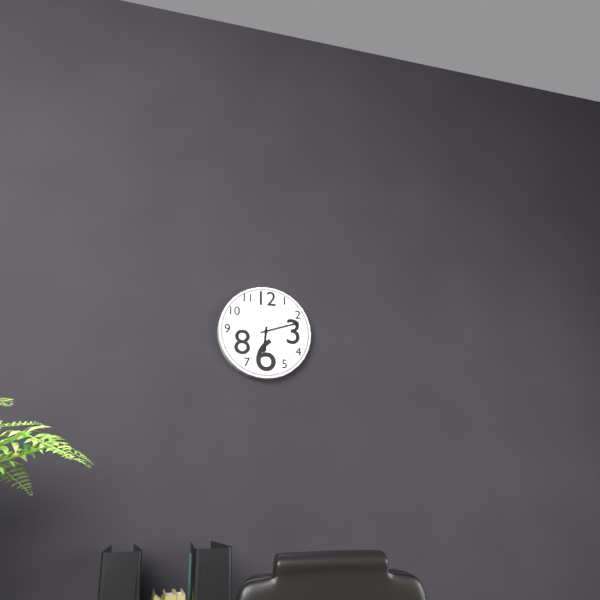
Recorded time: 6:12
